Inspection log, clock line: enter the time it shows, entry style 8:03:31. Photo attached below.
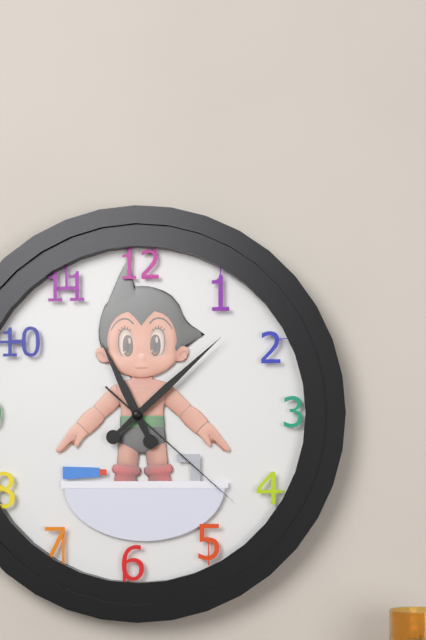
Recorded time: 11:08:22
